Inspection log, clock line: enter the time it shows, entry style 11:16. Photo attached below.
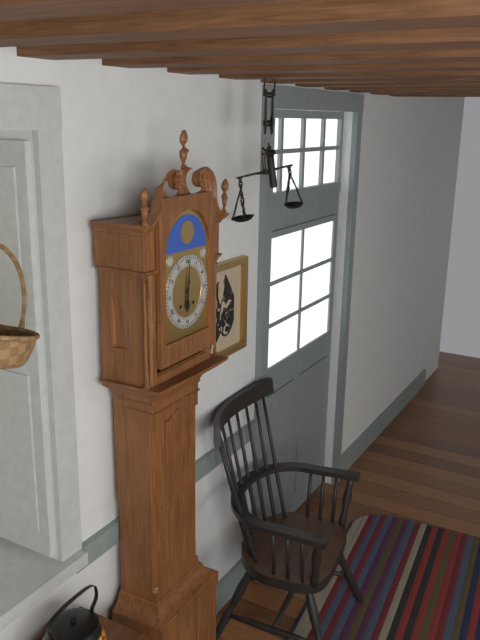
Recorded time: 6:01
